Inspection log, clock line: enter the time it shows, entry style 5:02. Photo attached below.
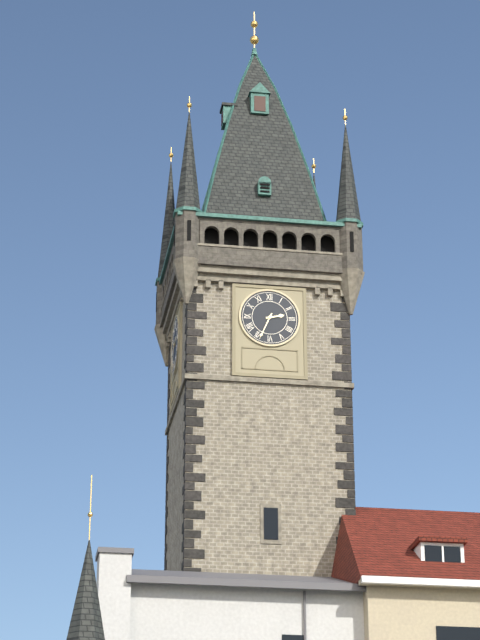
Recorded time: 2:34
